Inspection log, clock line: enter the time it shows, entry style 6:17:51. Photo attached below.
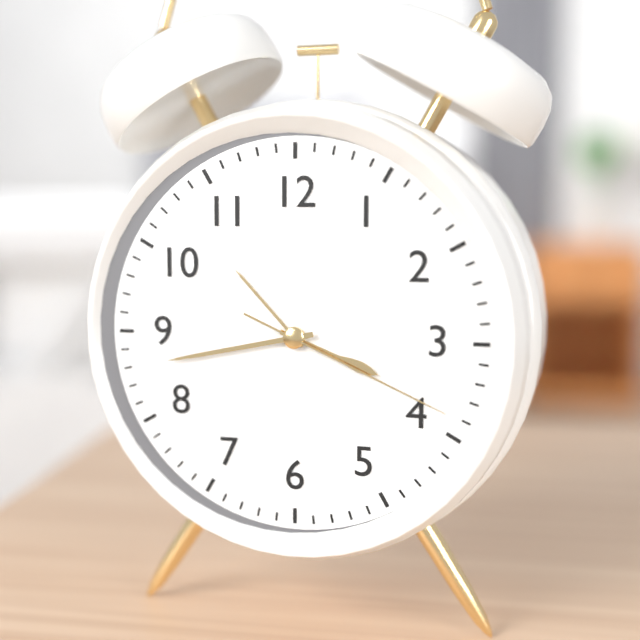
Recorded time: 3:43:19
